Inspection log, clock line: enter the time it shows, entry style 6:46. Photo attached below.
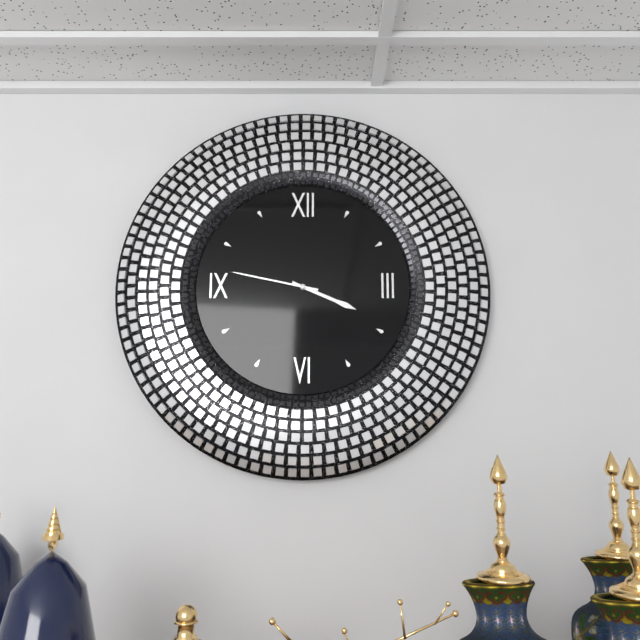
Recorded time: 3:47
